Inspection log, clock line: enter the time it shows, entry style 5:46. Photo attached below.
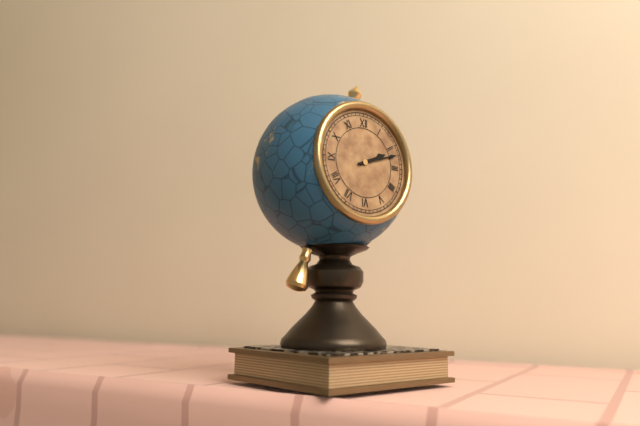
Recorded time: 2:12
